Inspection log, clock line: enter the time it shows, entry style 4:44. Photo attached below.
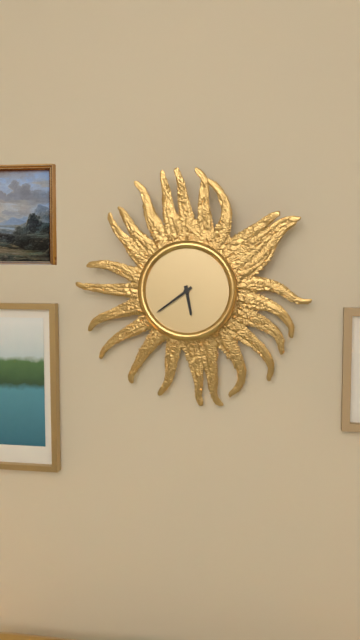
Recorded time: 5:39
